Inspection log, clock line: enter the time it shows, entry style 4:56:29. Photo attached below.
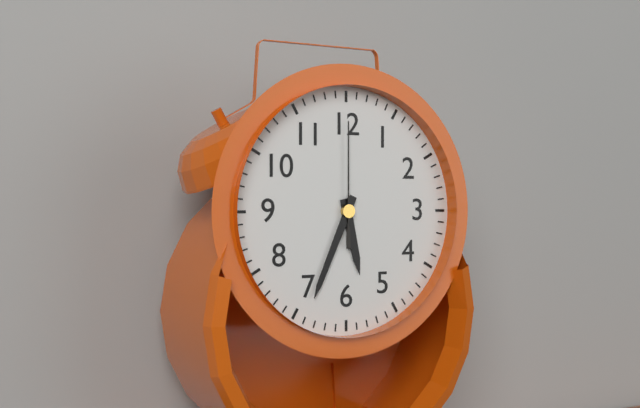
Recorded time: 5:34:00
